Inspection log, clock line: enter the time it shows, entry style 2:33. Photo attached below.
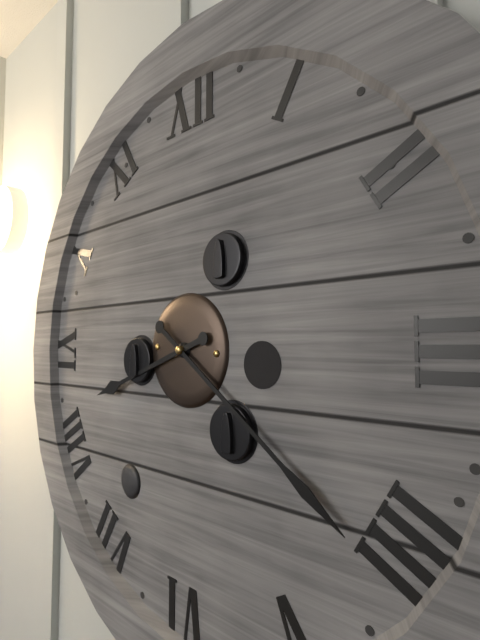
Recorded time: 8:21
